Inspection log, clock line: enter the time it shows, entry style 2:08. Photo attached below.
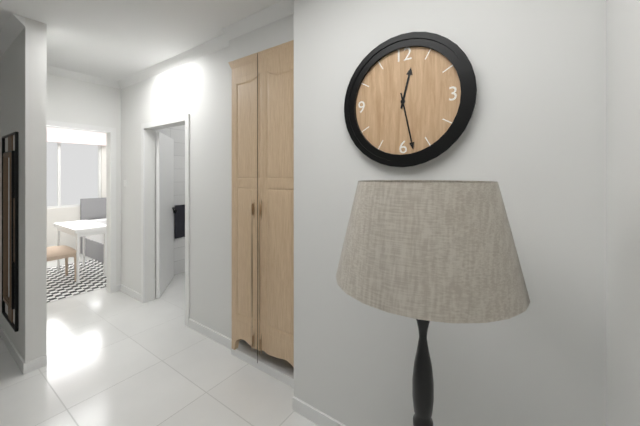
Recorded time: 12:28
